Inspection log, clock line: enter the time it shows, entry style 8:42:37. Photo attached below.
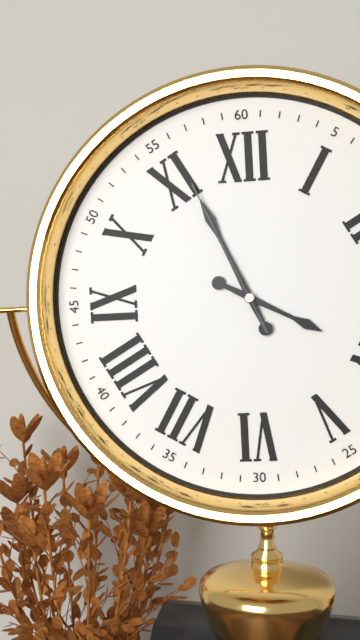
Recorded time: 3:56:56
